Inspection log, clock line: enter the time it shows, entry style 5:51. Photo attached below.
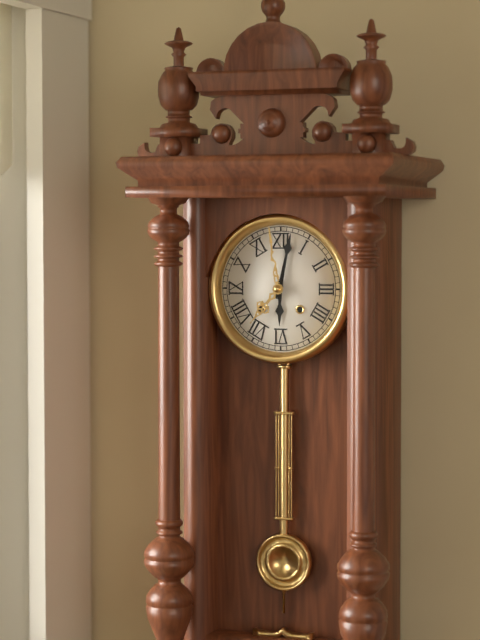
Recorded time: 6:02
